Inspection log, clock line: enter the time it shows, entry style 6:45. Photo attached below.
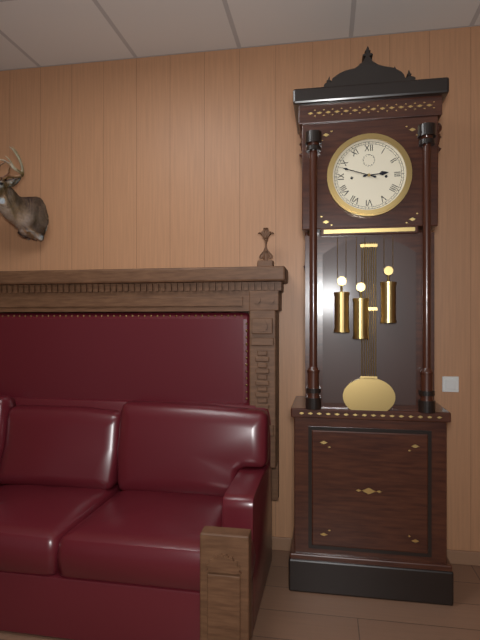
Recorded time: 2:48
